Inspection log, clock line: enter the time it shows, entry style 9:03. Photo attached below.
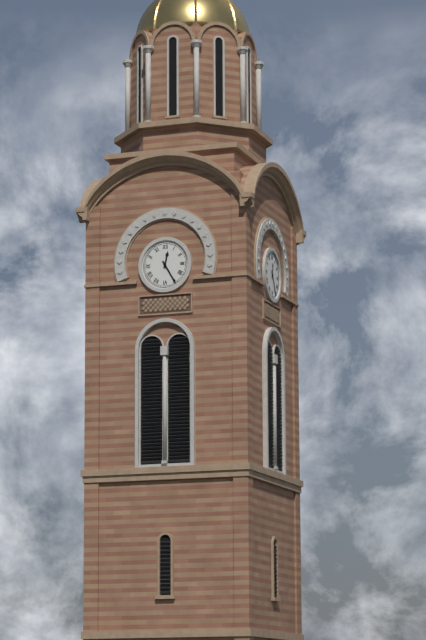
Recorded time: 12:25
